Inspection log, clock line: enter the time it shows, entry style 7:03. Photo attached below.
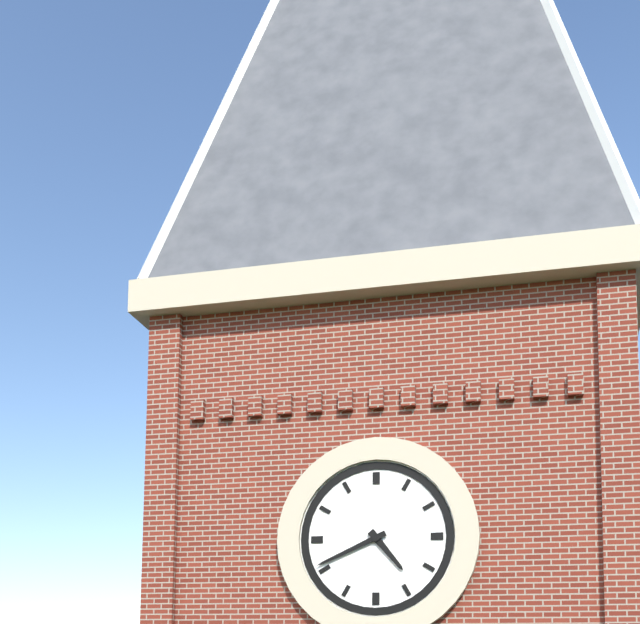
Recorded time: 4:41
